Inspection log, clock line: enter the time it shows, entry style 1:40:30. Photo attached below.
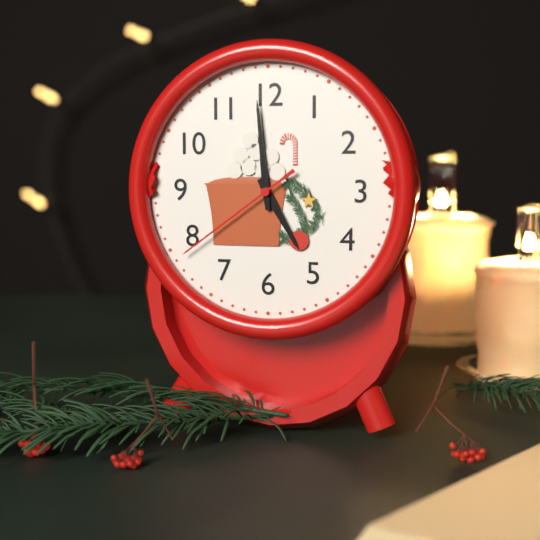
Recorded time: 4:59:39
